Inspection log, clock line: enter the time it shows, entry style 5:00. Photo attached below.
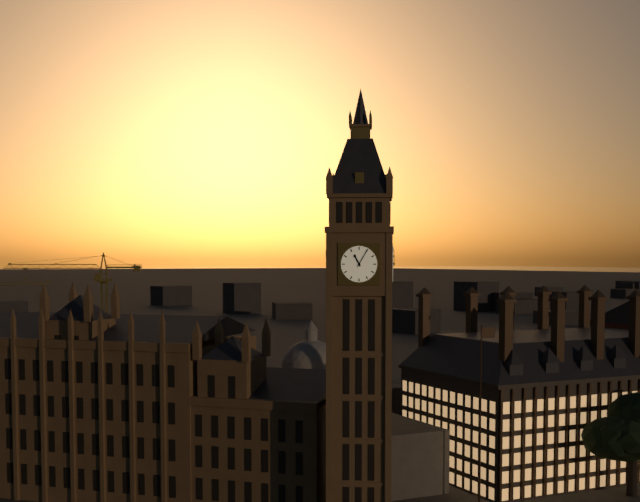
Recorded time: 11:05
